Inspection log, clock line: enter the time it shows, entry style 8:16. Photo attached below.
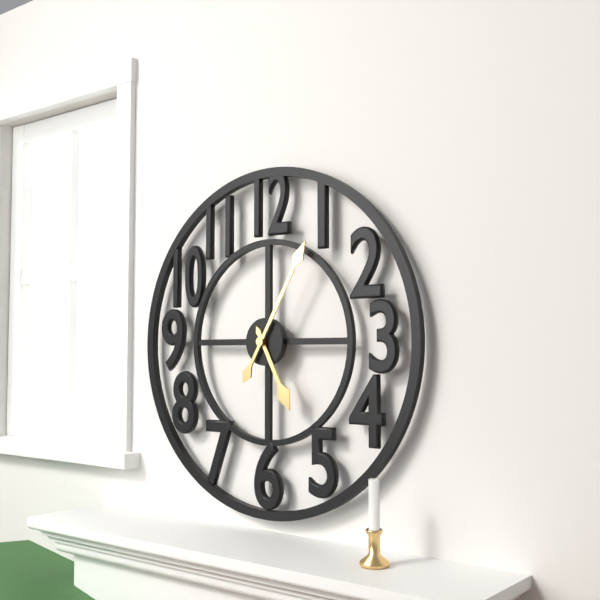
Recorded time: 5:05
